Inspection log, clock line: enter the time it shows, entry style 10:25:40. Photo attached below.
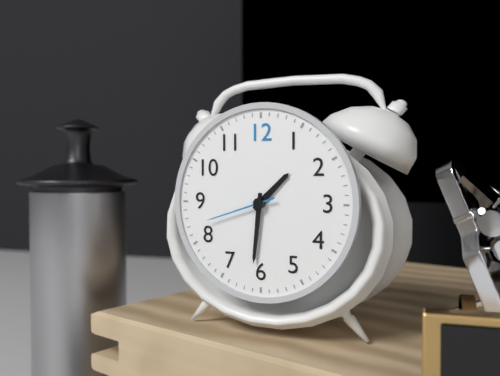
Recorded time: 1:31:42
